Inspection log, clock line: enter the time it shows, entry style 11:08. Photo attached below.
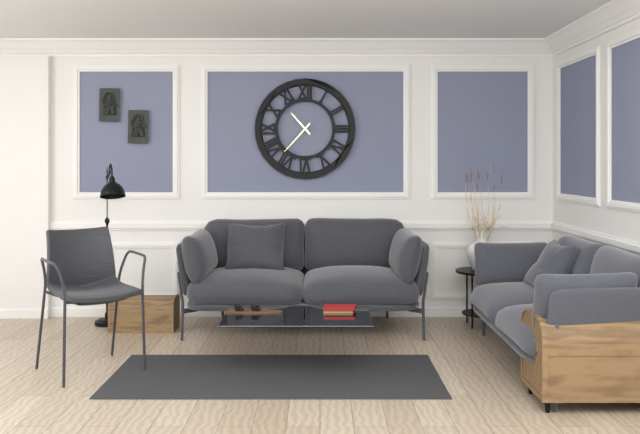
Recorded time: 10:37
